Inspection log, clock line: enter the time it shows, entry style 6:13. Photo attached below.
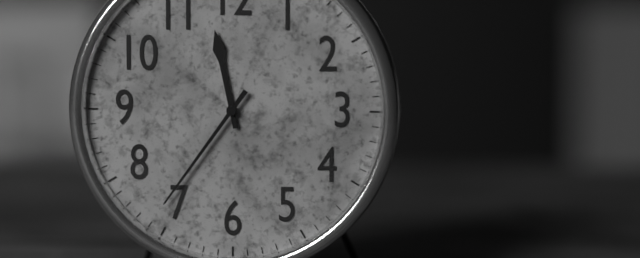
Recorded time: 11:36
